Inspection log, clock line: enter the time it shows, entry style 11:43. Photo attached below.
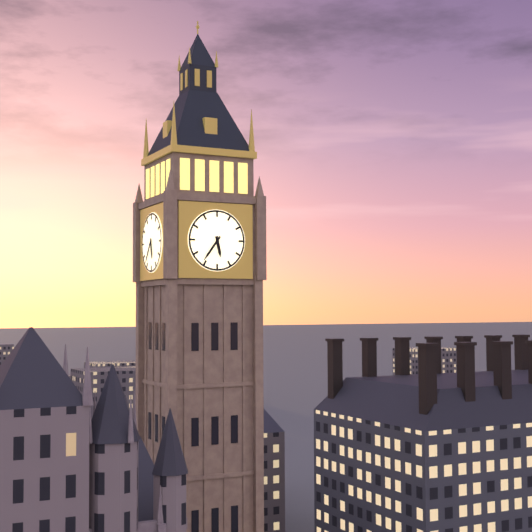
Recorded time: 5:36
